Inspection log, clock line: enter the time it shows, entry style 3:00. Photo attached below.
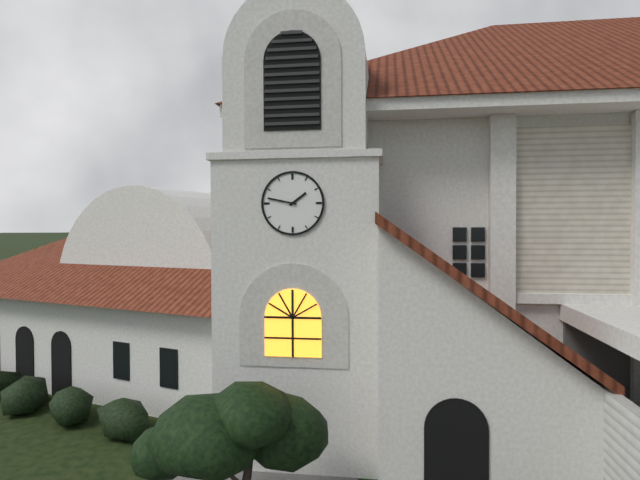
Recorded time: 1:47
